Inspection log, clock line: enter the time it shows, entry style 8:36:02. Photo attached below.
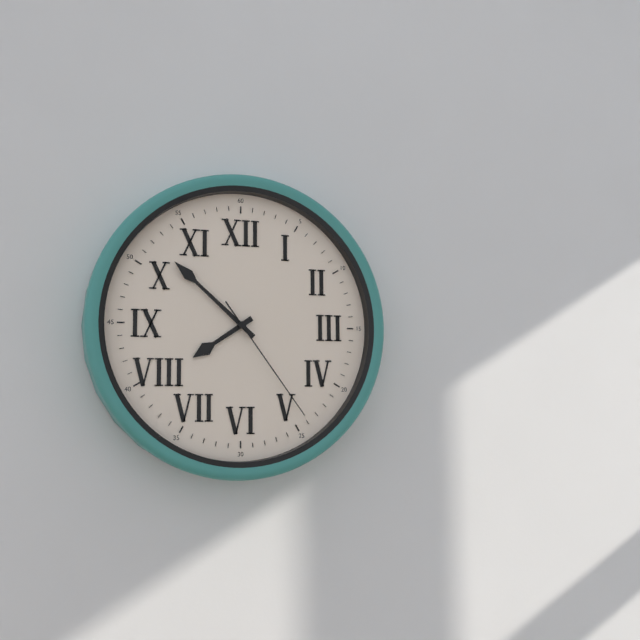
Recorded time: 7:52:24
